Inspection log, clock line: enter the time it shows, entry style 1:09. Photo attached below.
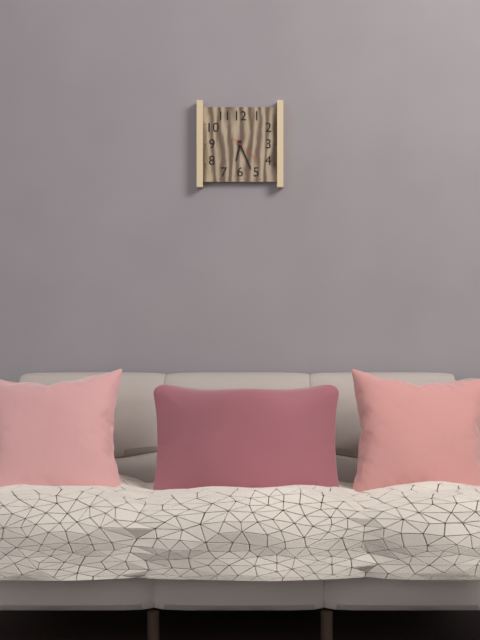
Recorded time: 6:26
